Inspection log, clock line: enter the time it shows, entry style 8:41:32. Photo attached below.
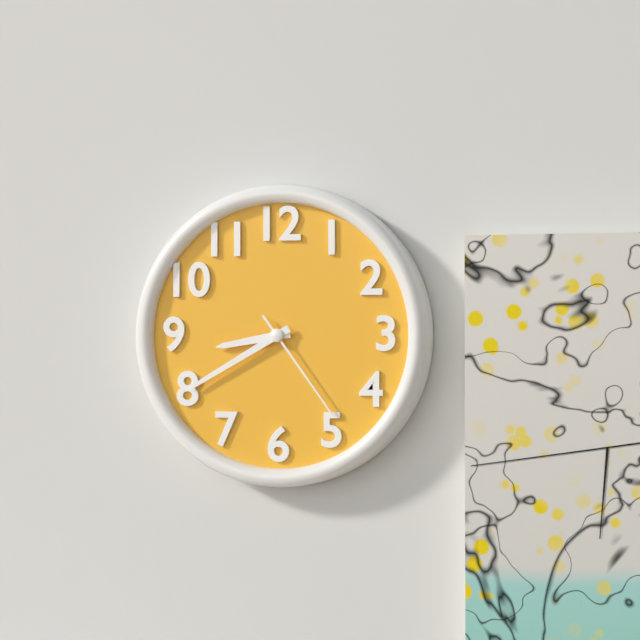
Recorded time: 8:40:24
